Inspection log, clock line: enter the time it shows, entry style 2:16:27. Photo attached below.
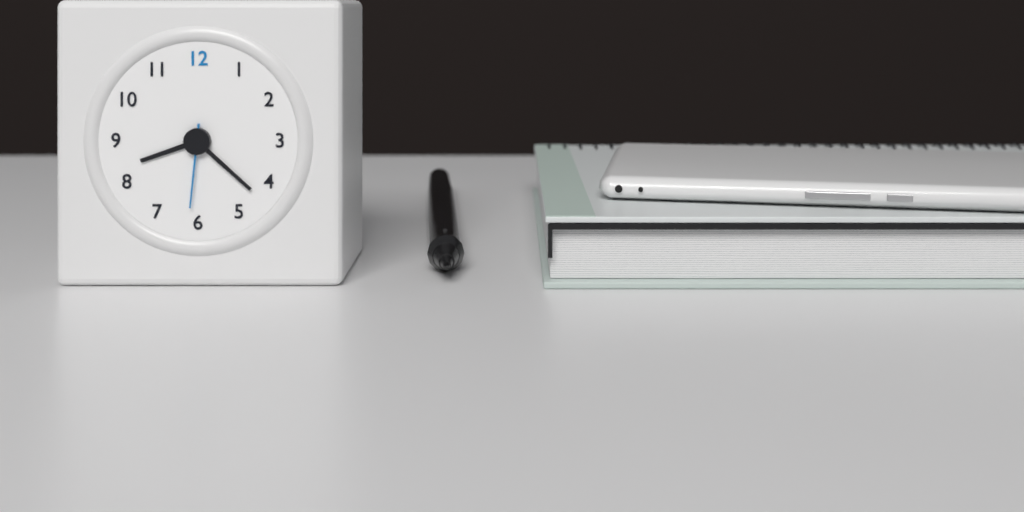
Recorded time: 8:22:31
